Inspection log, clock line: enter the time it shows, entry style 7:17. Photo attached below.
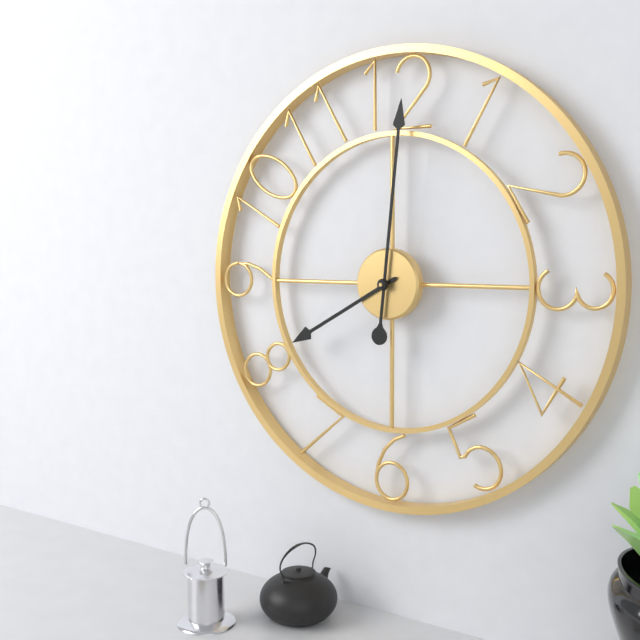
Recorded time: 8:01
